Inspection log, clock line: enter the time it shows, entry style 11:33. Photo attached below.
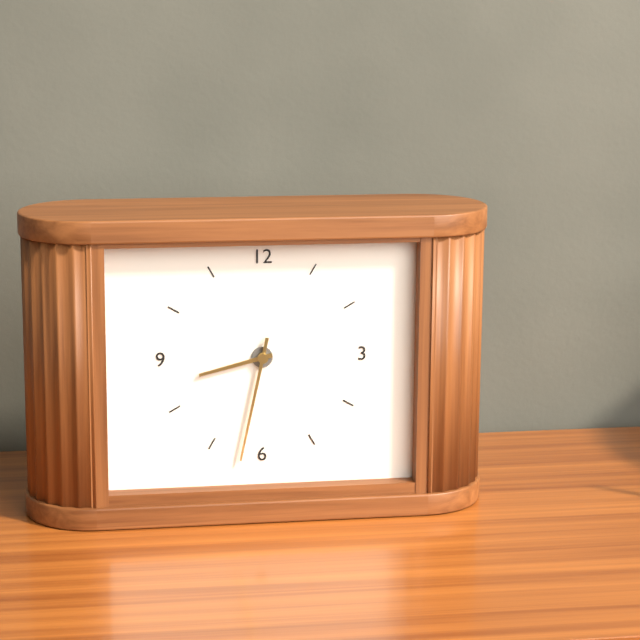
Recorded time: 8:32
